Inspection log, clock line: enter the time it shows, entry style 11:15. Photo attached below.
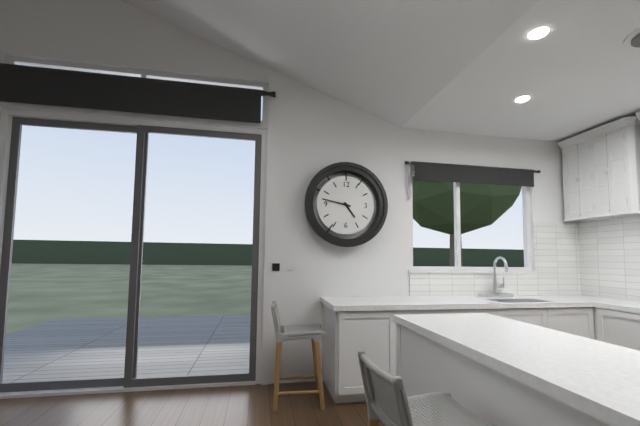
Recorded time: 4:47
